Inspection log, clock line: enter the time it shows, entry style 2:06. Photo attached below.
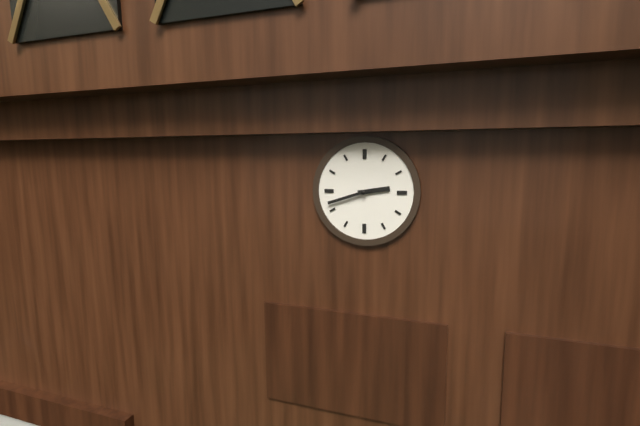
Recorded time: 2:42
